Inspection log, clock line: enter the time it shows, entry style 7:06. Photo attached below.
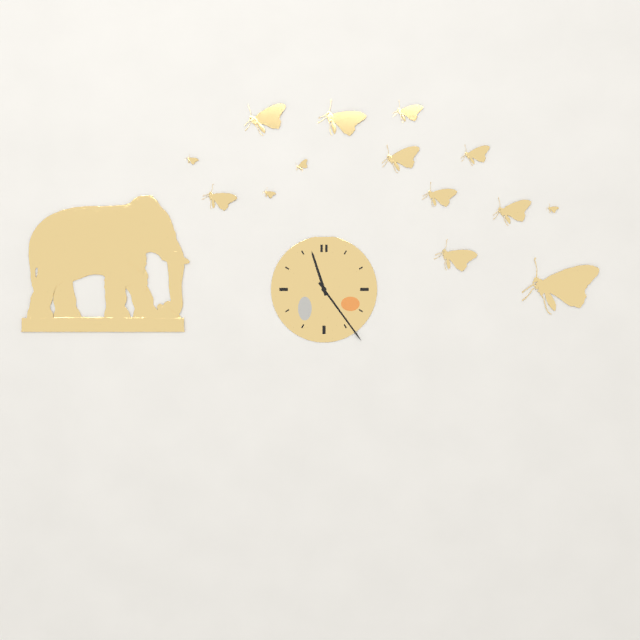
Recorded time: 11:24
